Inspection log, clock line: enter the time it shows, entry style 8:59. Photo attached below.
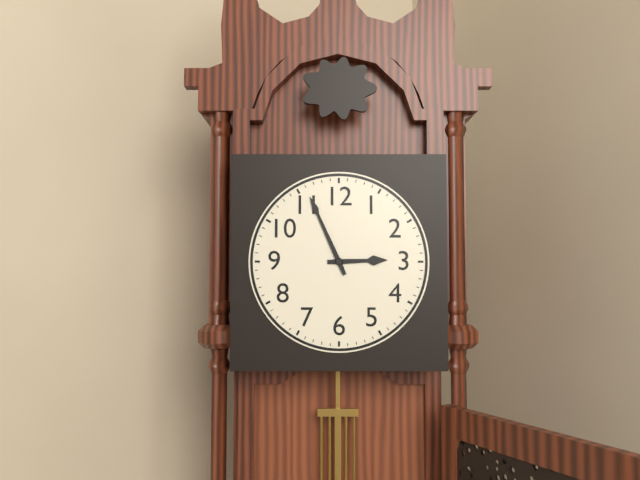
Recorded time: 2:56
